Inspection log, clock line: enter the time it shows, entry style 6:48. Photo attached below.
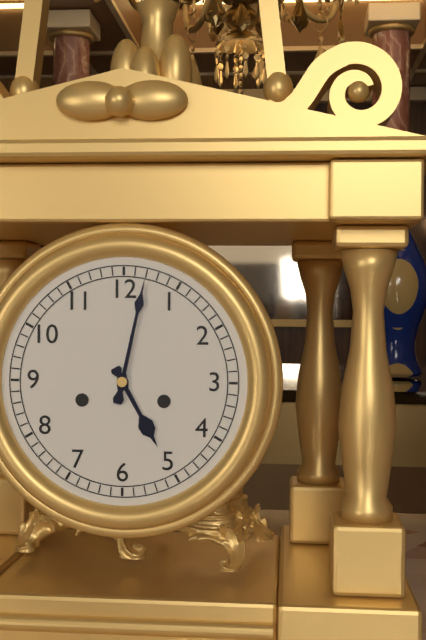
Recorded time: 5:02
